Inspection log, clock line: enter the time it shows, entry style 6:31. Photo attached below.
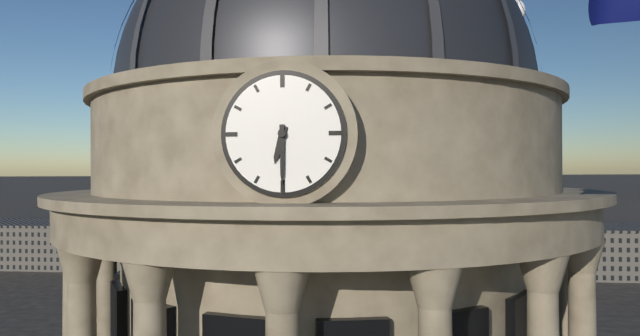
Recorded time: 6:30
